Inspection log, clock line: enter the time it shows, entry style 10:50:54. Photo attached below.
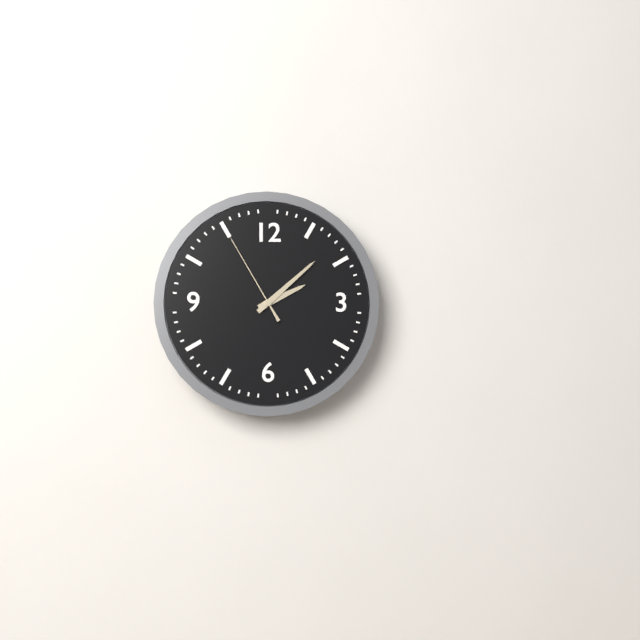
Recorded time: 2:08:55
